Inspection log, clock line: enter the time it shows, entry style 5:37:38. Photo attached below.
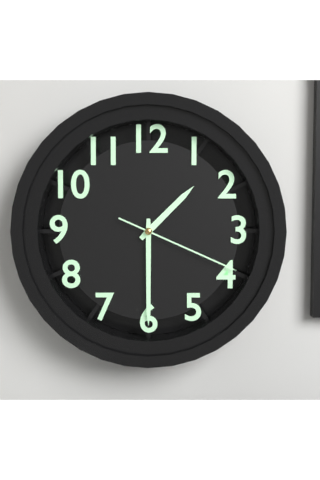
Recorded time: 1:30:19
